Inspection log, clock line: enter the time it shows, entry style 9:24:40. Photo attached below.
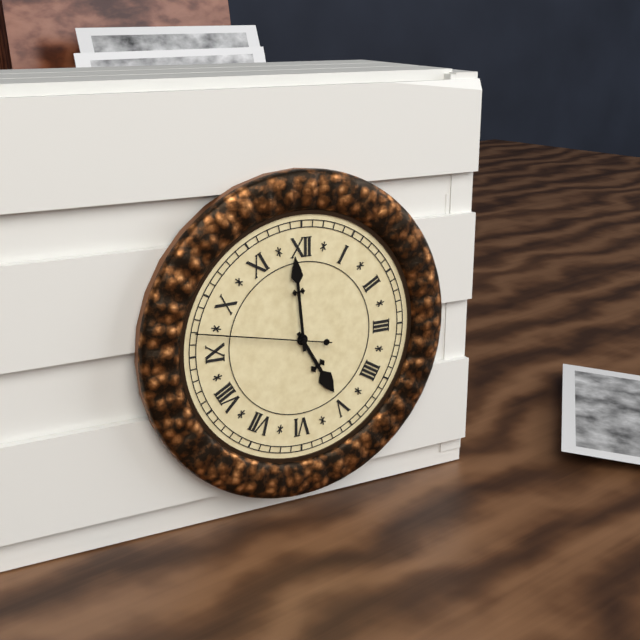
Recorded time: 4:59:47
